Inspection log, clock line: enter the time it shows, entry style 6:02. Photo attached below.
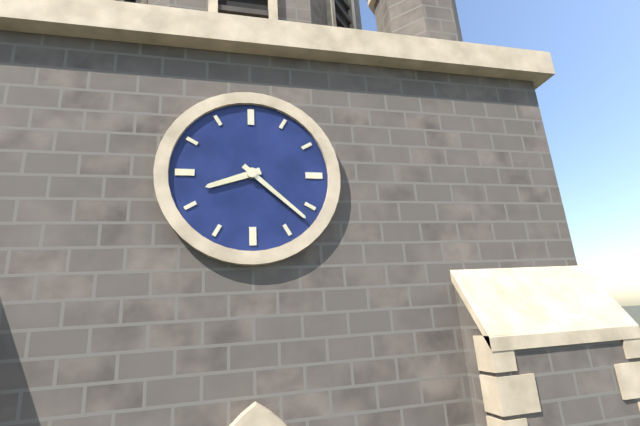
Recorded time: 8:22
